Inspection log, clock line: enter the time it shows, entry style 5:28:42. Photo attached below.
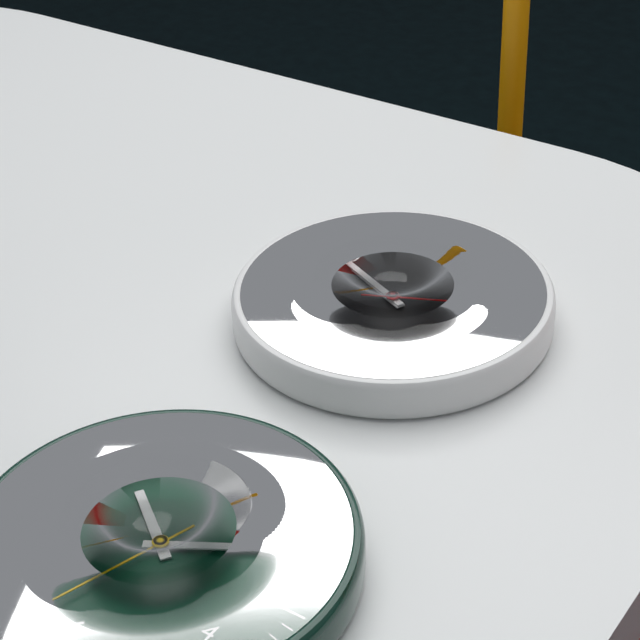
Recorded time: 9:49:11
